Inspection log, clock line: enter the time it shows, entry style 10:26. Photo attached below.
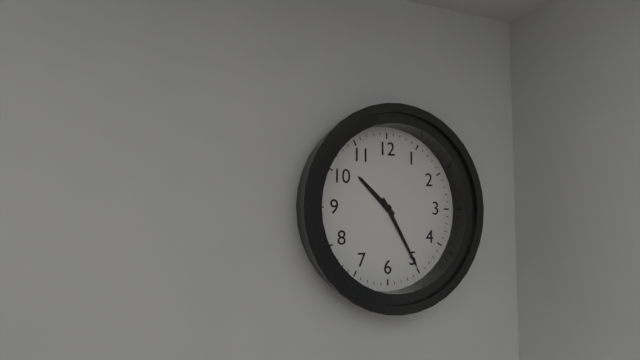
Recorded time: 10:25
